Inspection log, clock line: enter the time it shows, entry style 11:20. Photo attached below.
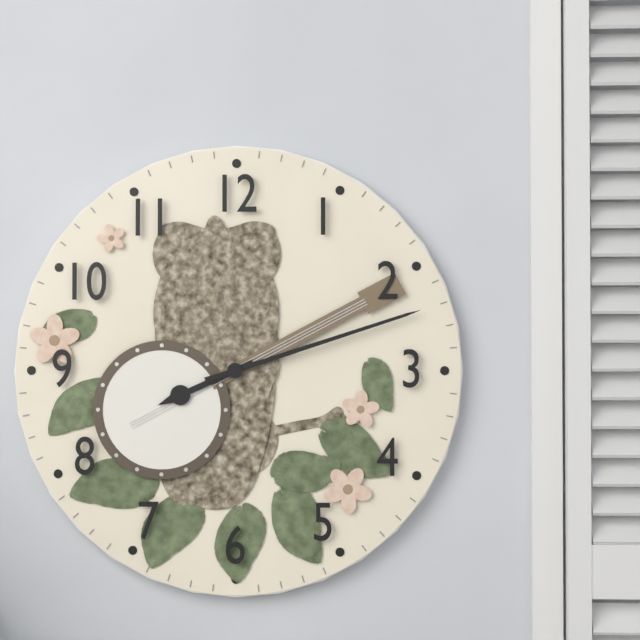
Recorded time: 8:12
